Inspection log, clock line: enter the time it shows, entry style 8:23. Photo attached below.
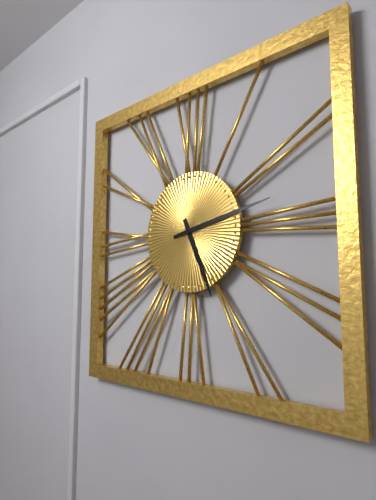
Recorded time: 5:13
